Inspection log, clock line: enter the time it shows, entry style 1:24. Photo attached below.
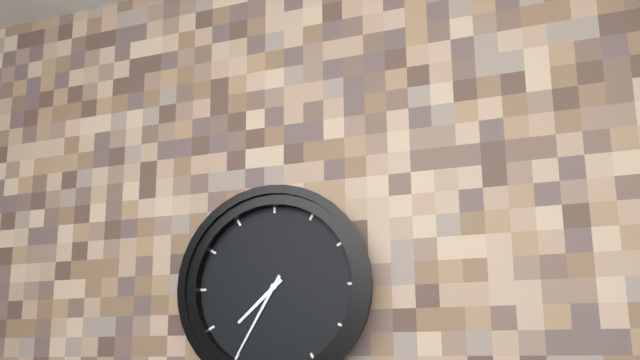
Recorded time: 7:35
